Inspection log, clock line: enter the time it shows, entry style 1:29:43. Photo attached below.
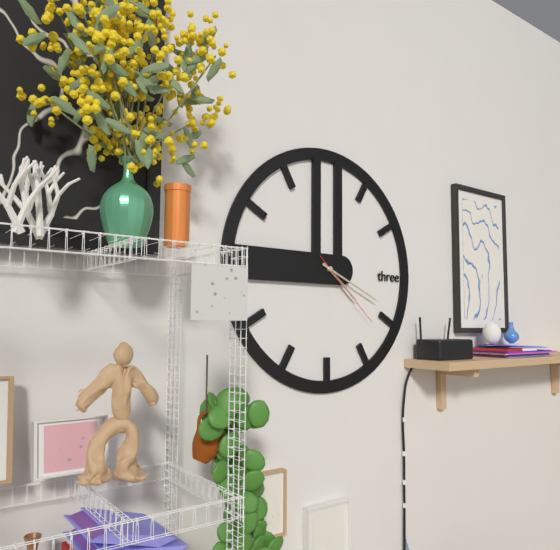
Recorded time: 4:19:22
